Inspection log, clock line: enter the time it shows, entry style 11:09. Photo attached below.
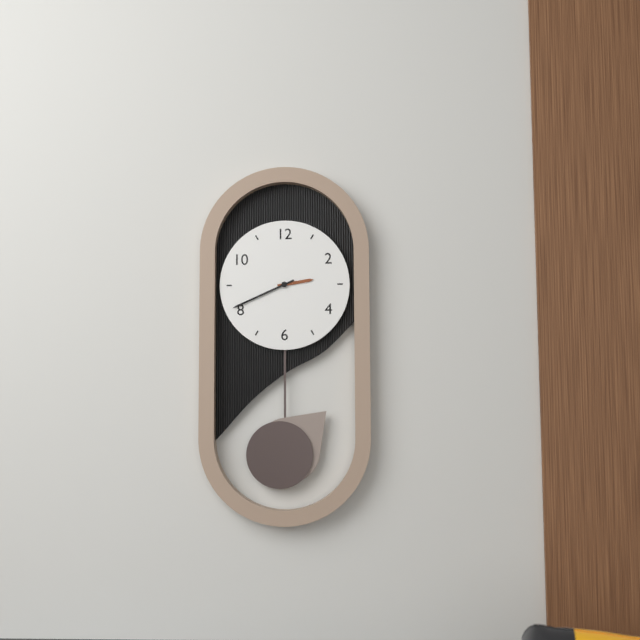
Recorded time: 2:41
